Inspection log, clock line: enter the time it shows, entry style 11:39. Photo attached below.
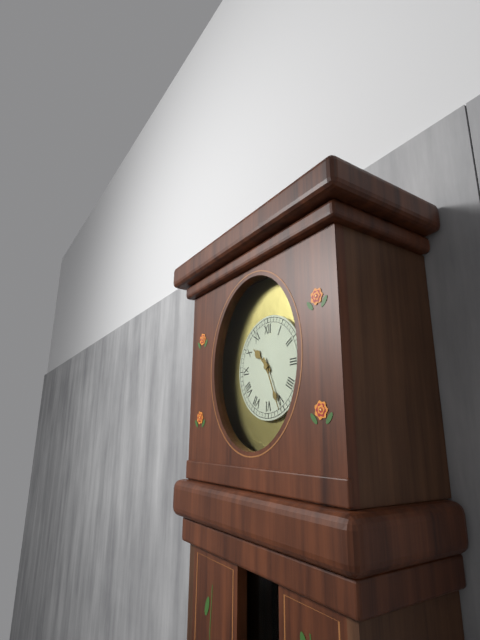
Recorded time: 10:26
